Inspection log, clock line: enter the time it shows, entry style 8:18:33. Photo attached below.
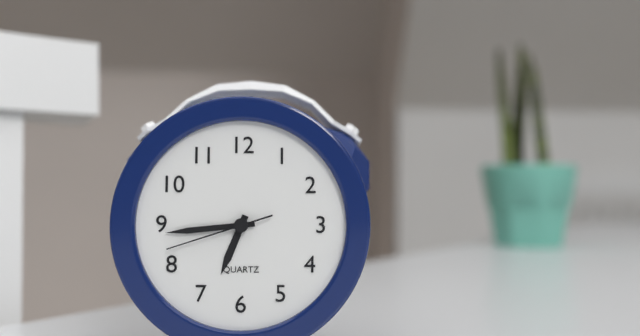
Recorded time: 6:44:42
